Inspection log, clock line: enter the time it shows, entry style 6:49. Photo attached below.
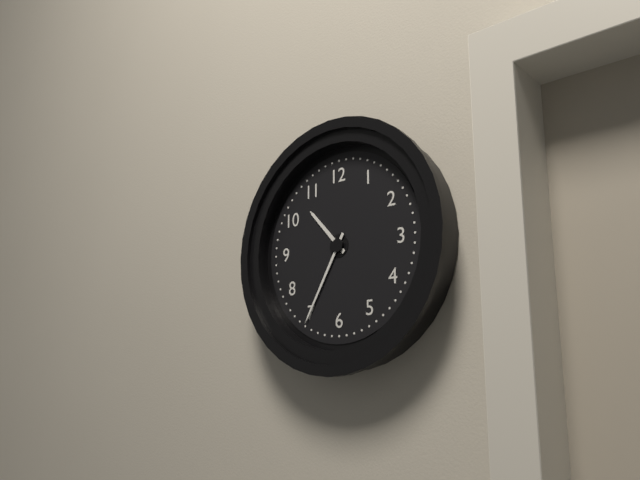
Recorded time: 10:35
